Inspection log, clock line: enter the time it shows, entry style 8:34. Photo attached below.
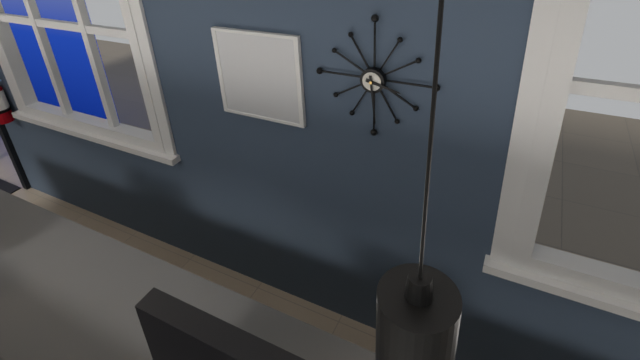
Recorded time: 3:29
